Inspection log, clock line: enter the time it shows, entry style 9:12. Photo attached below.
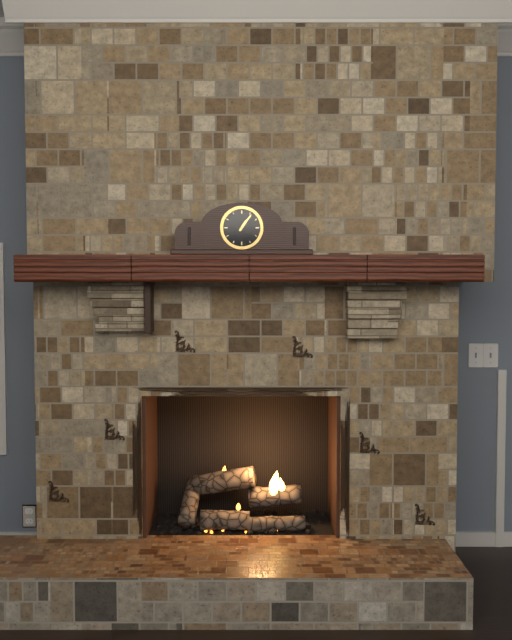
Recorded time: 1:06
